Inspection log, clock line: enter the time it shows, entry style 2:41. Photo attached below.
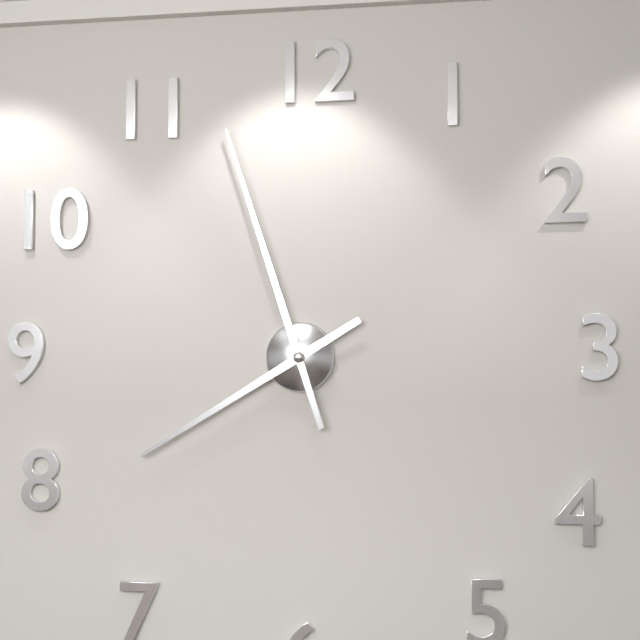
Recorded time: 7:57
